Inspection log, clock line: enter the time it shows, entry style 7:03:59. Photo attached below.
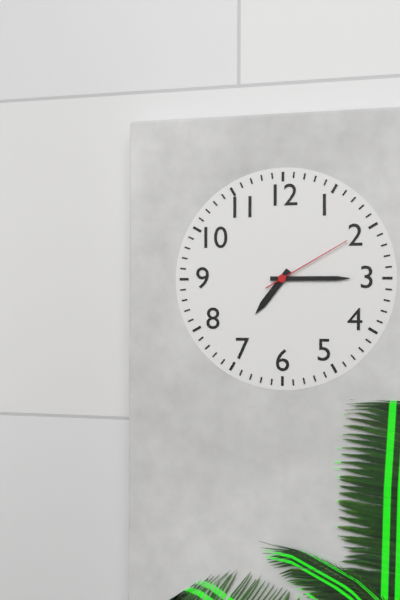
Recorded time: 7:15:10
